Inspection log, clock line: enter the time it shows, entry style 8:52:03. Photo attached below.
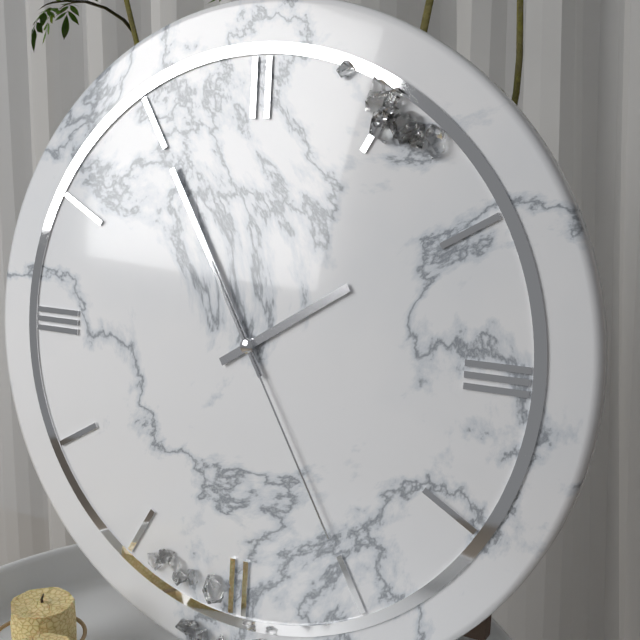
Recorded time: 1:55:25
